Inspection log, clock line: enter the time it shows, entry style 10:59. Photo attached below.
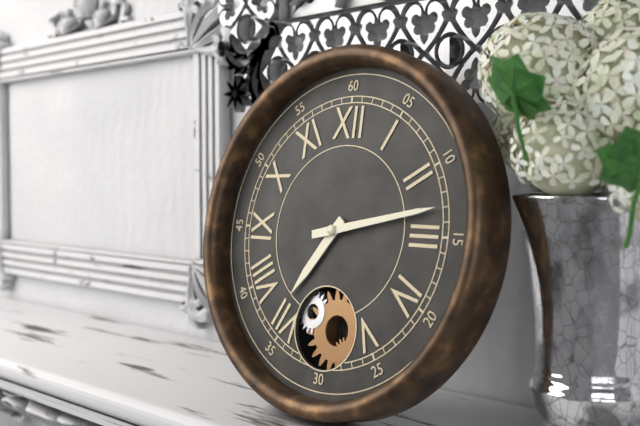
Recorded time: 7:13
